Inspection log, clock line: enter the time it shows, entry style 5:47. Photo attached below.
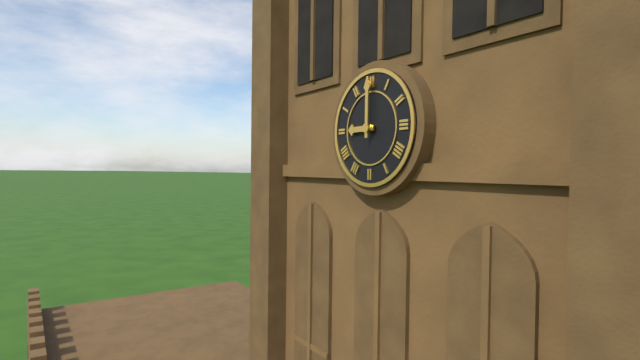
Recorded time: 9:00
